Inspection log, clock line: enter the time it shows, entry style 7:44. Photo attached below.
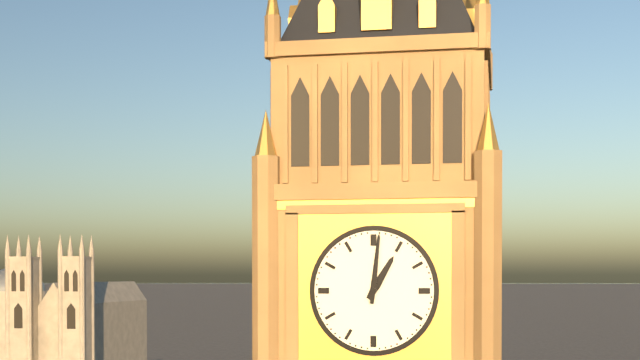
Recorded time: 1:01
